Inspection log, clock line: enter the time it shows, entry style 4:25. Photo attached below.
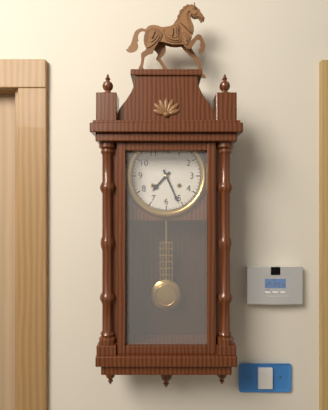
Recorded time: 7:26
